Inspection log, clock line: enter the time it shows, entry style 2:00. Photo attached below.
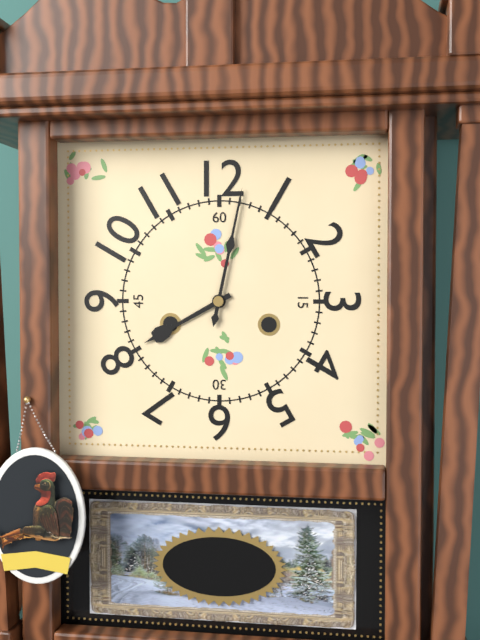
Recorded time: 8:02
